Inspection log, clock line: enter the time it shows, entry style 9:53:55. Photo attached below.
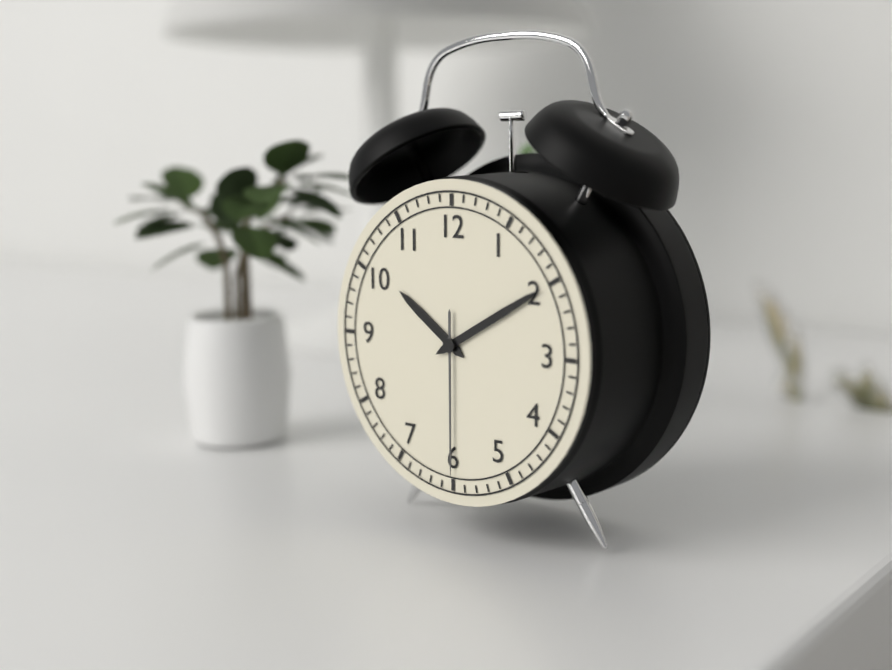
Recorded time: 10:10:30
